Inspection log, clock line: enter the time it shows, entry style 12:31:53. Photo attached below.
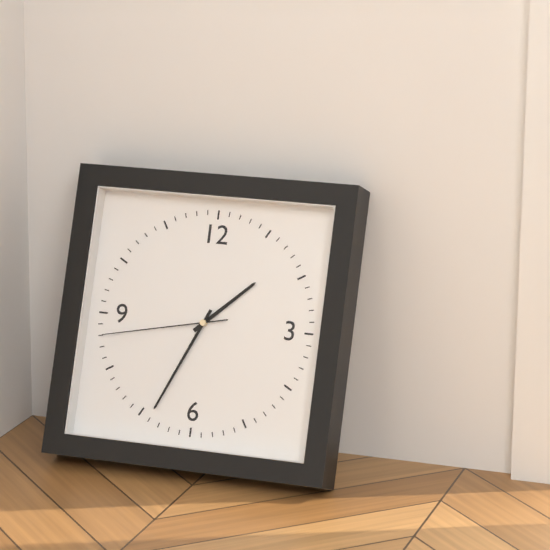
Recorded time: 1:34:43
